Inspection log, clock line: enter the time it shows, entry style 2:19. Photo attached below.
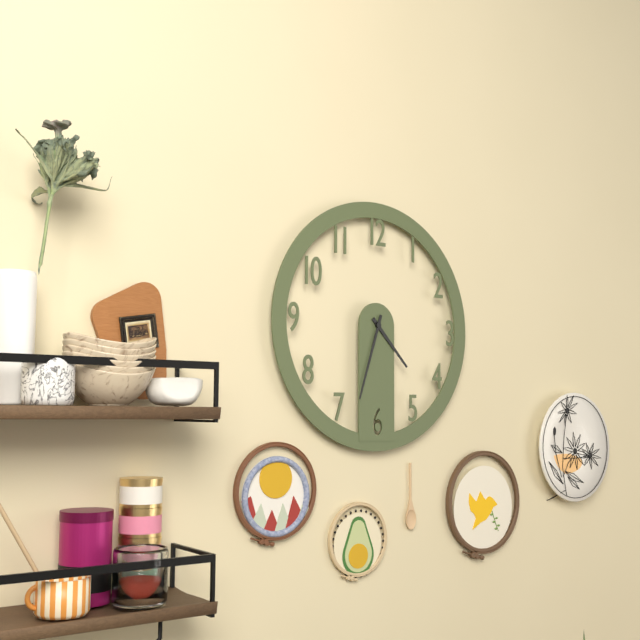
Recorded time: 4:33
